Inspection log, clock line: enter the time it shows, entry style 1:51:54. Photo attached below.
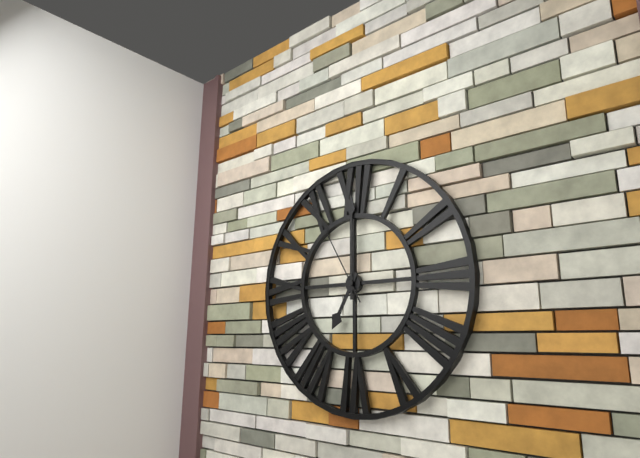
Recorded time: 7:00:55
